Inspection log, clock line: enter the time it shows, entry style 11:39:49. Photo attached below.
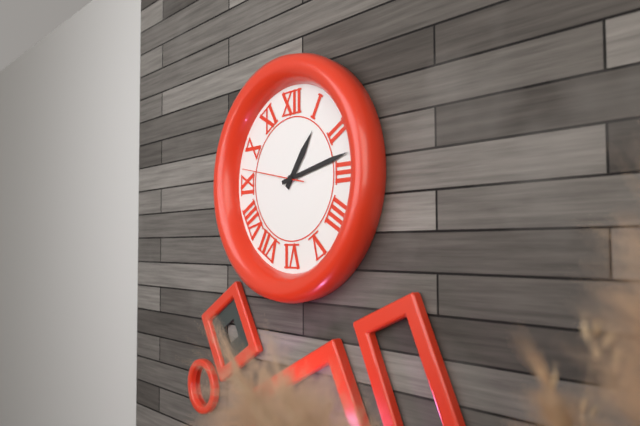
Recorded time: 1:13:47
